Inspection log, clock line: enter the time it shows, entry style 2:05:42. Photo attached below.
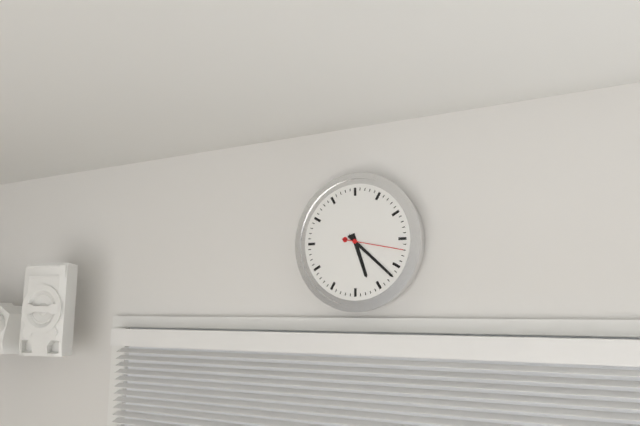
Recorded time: 5:22:17
